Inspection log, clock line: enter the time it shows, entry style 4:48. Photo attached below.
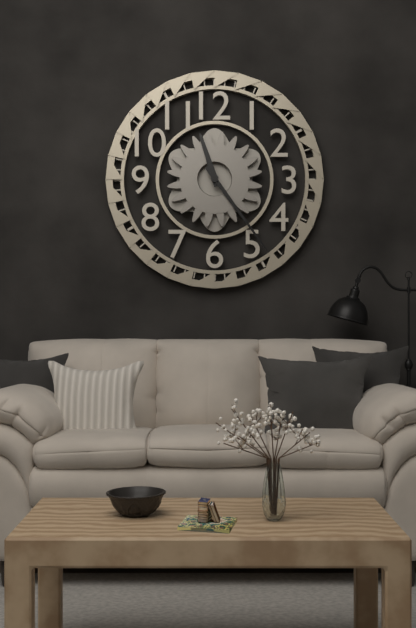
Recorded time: 11:24
